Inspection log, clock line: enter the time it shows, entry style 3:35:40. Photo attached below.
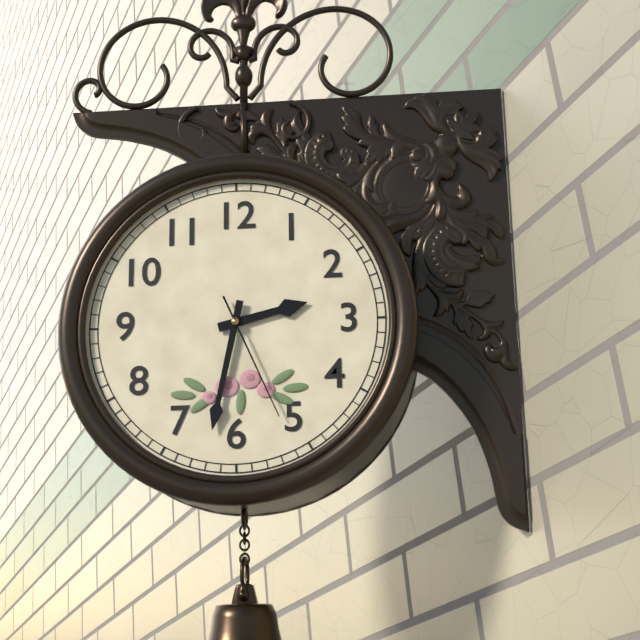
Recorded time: 2:32:26
